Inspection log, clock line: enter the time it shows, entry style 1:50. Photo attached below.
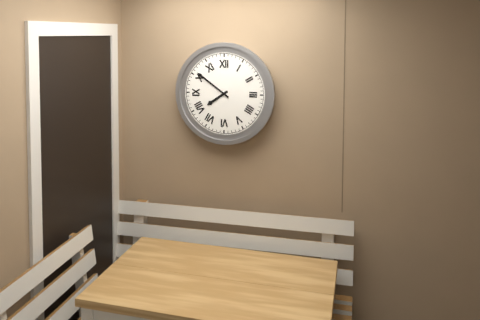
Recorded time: 7:51
